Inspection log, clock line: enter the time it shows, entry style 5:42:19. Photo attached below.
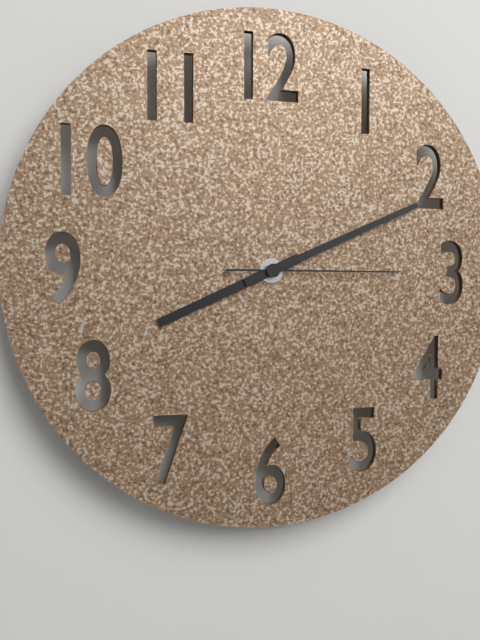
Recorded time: 8:11:15
